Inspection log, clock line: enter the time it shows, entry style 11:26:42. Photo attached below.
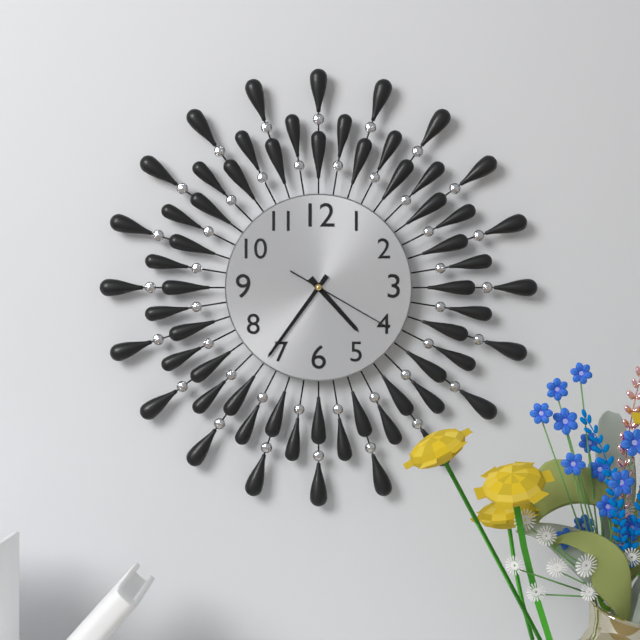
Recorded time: 4:36:20
